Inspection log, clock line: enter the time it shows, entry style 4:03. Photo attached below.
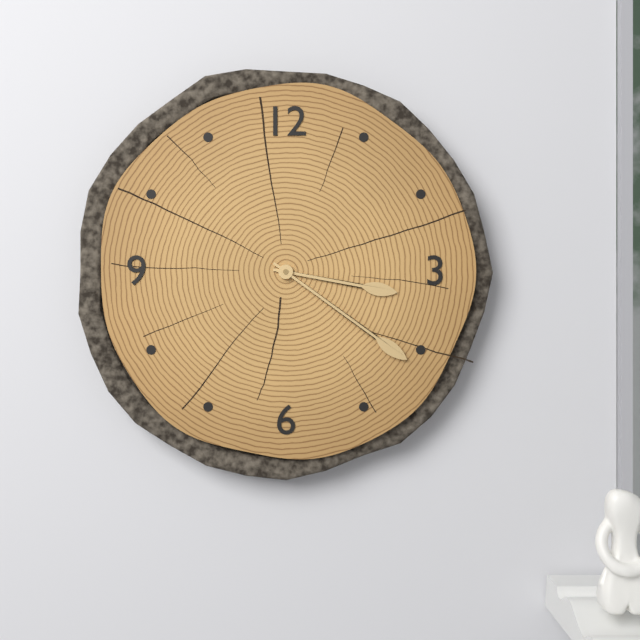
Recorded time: 3:21
